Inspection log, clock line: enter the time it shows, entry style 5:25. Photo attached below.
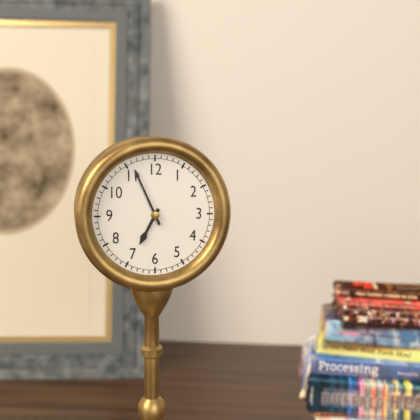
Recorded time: 6:56
